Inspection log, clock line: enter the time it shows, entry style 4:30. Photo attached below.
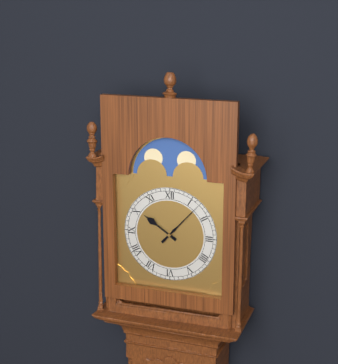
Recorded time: 10:07
